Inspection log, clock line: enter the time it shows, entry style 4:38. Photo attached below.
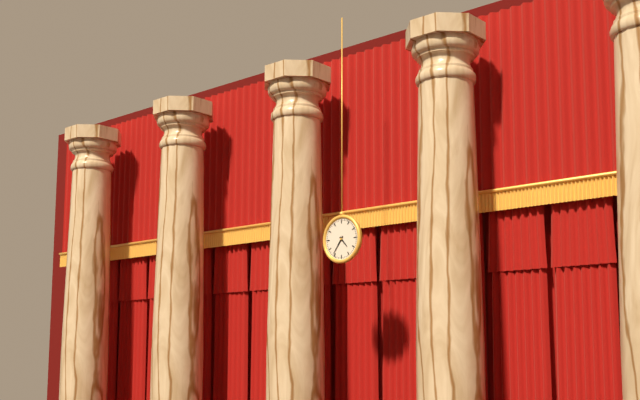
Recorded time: 4:36
